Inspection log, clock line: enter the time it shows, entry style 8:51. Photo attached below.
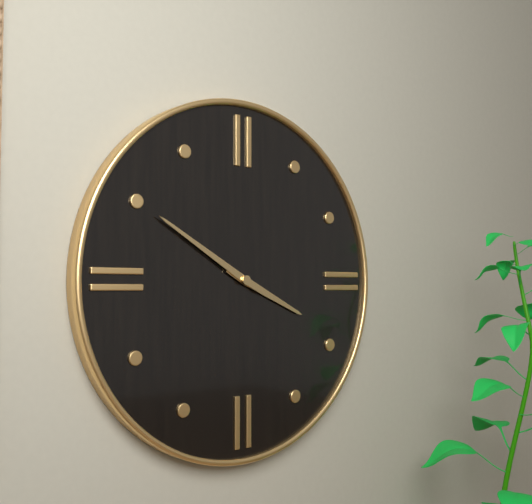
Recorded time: 3:50
